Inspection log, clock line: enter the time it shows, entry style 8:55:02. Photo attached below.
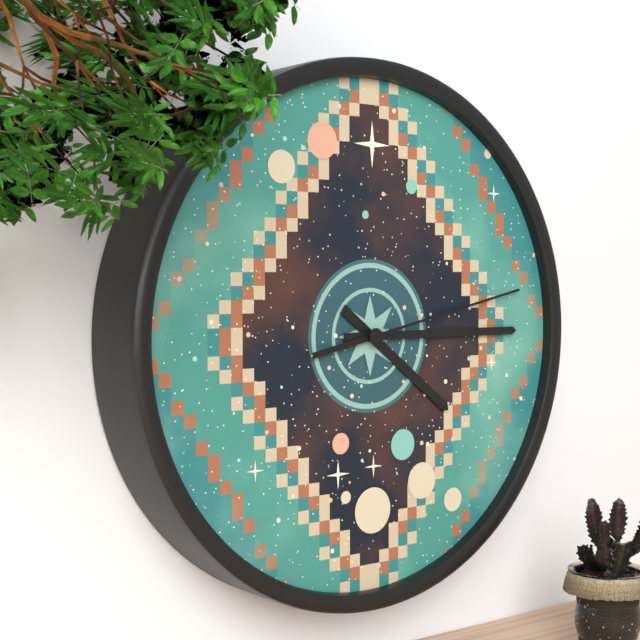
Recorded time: 4:15:13
